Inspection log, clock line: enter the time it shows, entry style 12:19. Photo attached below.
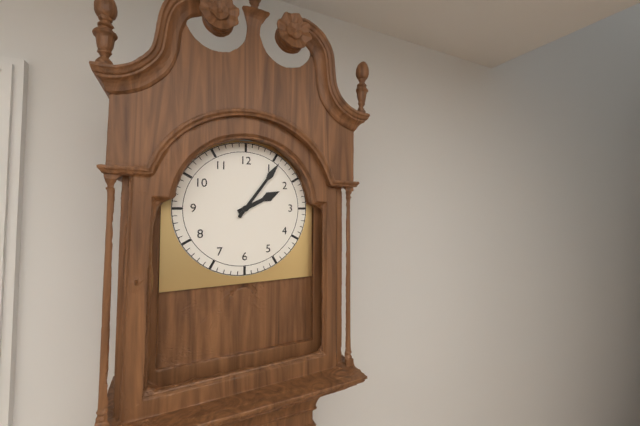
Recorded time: 2:06
